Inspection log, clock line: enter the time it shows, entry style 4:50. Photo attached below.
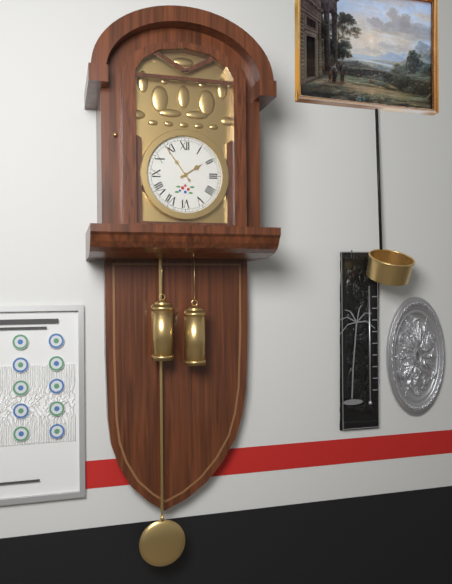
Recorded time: 1:54
